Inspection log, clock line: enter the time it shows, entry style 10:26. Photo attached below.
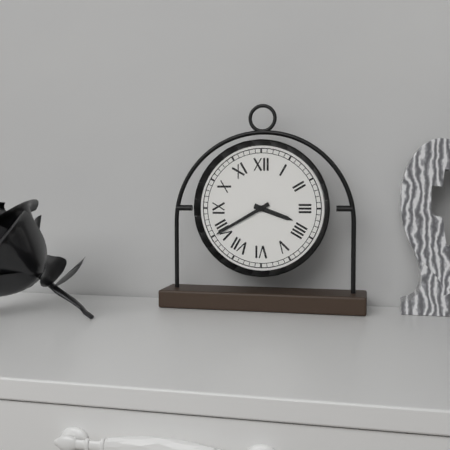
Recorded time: 3:40
